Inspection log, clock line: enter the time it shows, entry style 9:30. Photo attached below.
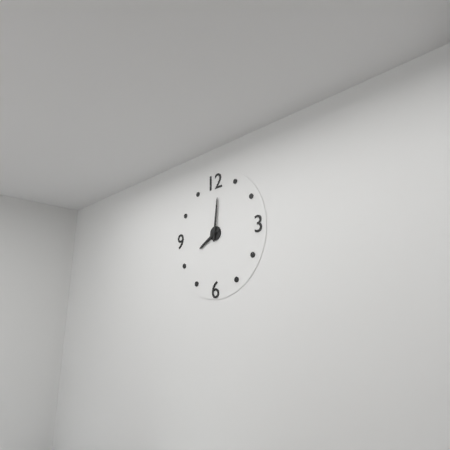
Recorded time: 8:01
